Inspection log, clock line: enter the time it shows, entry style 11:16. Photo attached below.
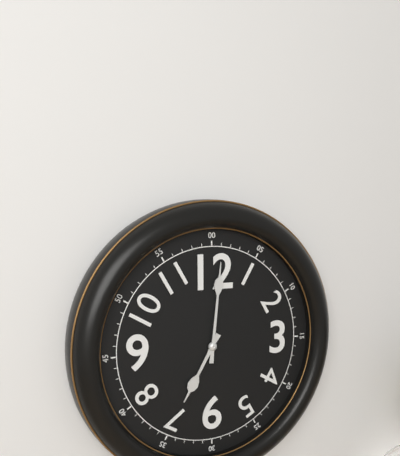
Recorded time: 7:01
